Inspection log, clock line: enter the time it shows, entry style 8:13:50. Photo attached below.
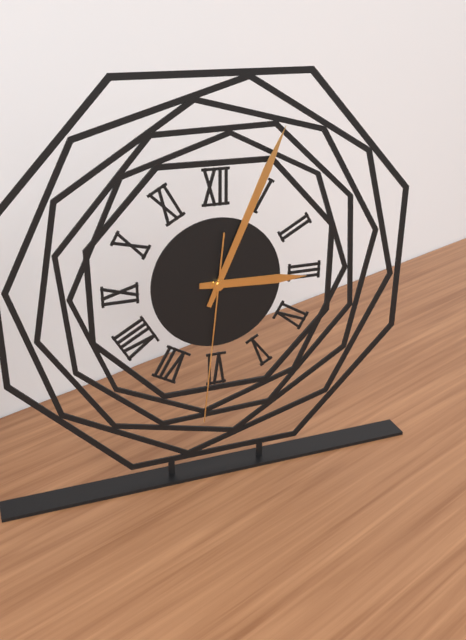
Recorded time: 3:04:31
